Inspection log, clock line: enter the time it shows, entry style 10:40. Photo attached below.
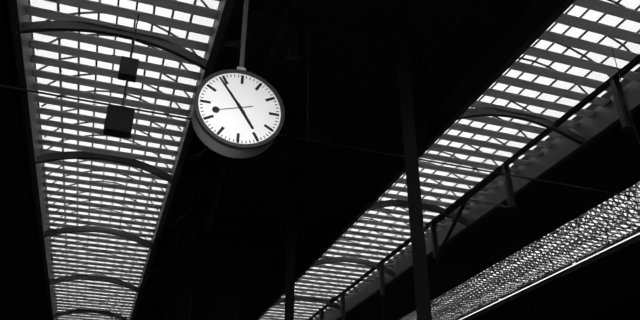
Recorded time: 4:54
